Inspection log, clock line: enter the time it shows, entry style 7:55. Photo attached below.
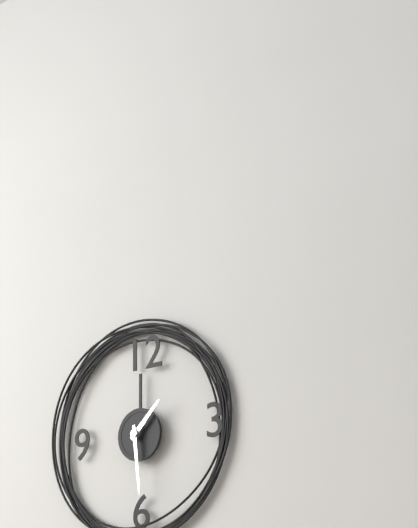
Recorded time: 1:29
